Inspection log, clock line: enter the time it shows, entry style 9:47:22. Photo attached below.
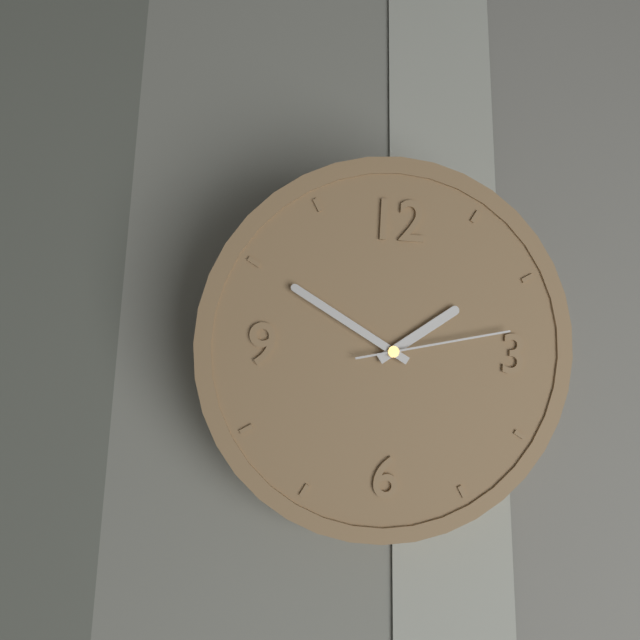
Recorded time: 1:50:13
